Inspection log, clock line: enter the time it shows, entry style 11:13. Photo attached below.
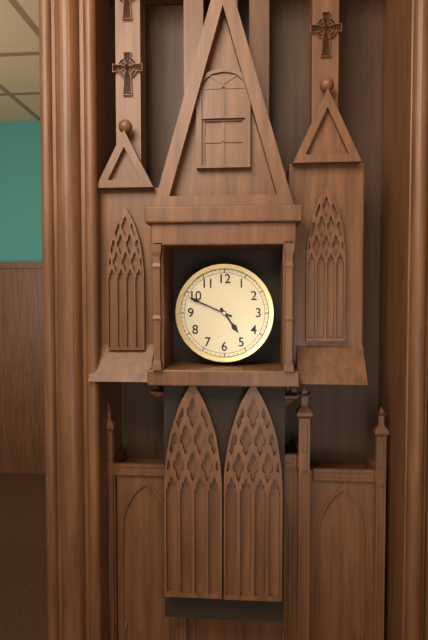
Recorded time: 4:49
